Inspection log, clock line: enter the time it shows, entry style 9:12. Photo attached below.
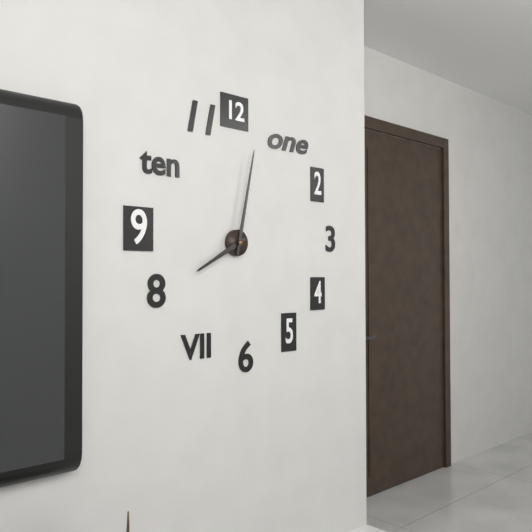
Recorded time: 8:02
